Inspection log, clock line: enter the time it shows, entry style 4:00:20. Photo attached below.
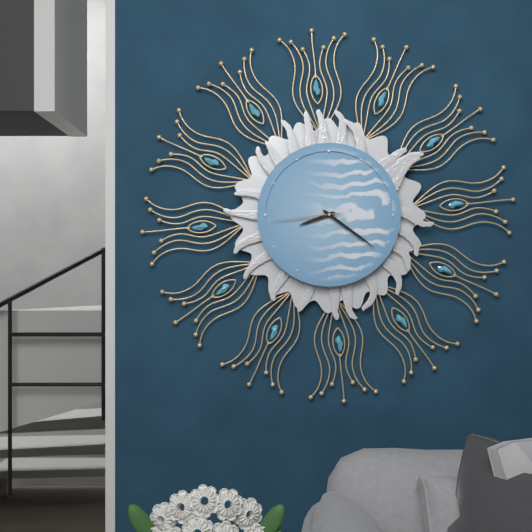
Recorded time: 8:21:44
